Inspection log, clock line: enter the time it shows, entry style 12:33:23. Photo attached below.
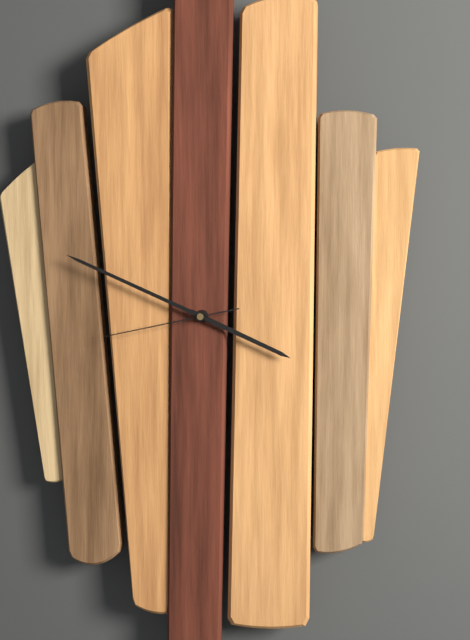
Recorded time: 3:49:43
